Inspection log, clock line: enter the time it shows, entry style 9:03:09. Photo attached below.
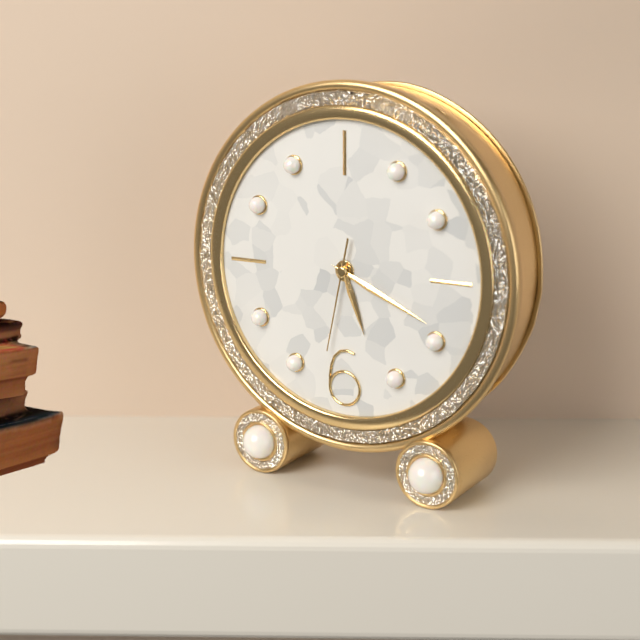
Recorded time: 5:19:32
